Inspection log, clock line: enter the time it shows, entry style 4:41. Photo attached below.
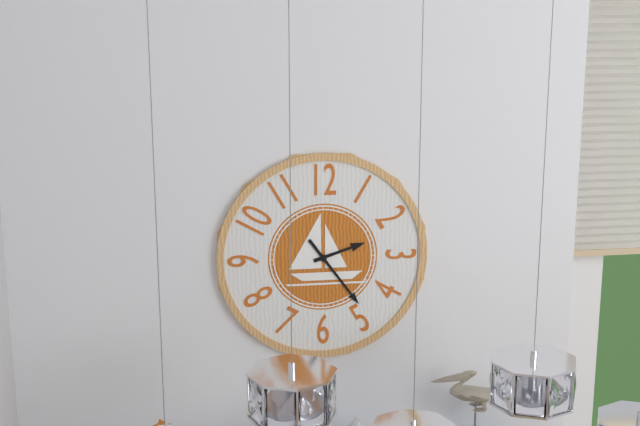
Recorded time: 2:24
